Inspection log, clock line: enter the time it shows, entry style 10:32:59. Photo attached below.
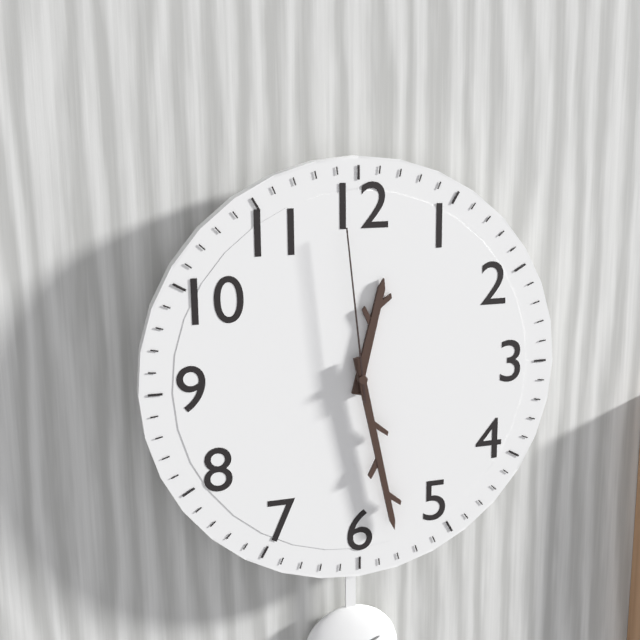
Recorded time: 12:28:59
